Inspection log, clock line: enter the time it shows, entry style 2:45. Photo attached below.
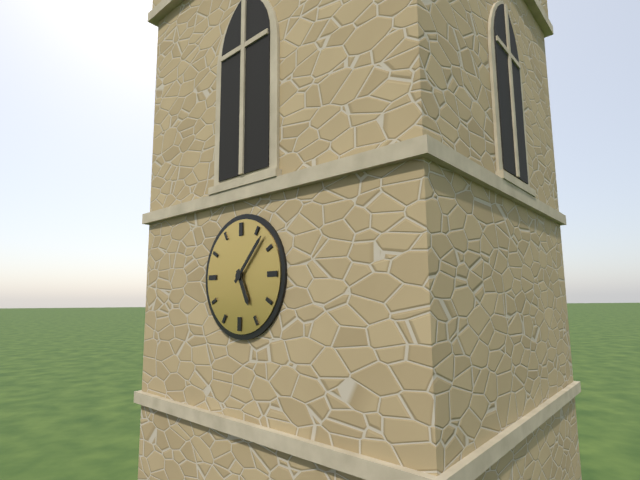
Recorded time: 5:07
